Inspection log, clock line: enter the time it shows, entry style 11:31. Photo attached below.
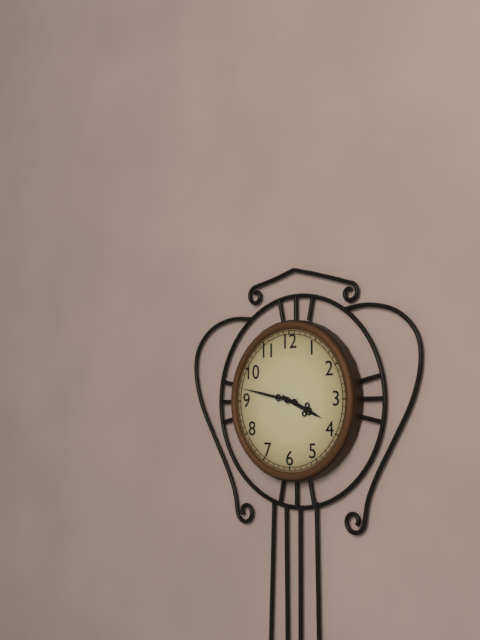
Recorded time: 3:47
